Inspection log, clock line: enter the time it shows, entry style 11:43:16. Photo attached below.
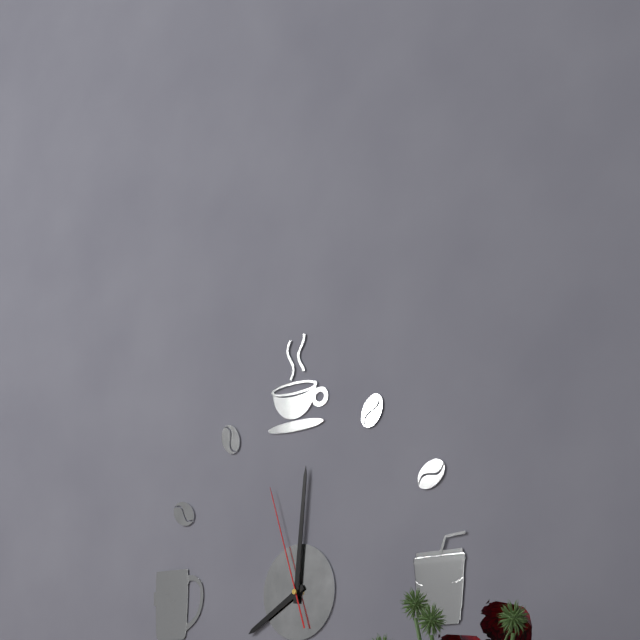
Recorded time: 8:01:57
